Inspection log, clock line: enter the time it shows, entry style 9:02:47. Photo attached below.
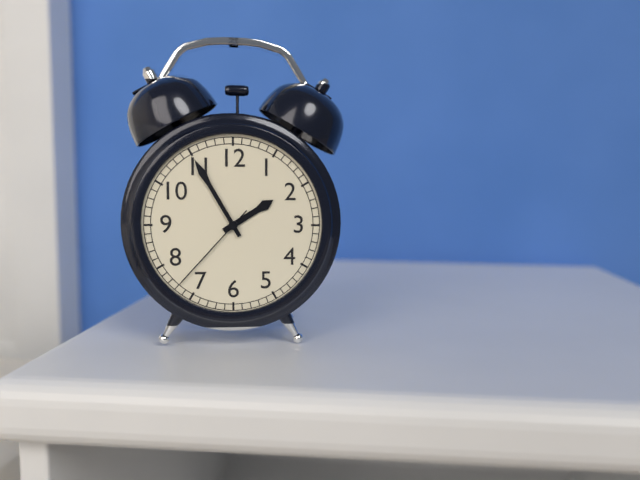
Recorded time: 1:55:37
